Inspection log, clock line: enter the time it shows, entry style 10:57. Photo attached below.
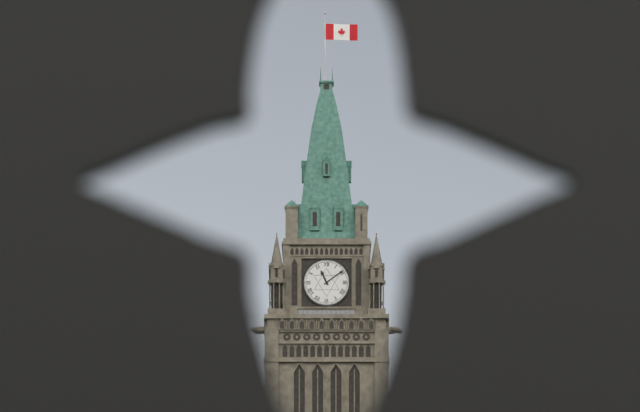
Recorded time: 11:09
